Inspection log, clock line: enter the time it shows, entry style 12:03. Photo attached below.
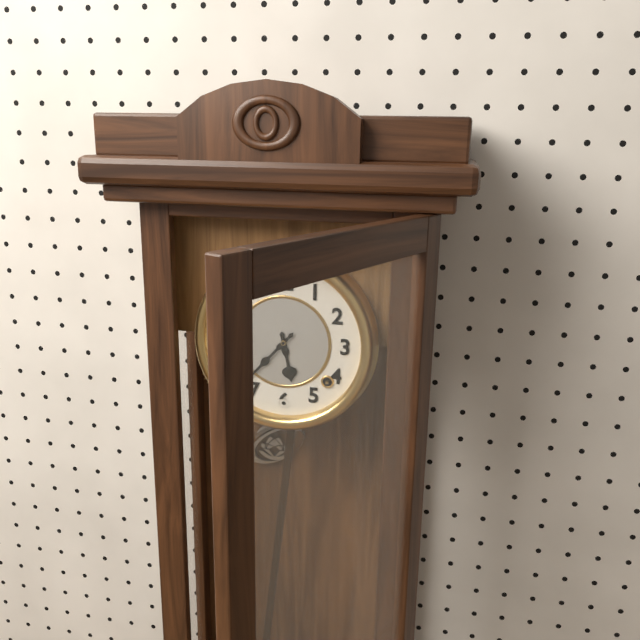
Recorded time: 5:37
